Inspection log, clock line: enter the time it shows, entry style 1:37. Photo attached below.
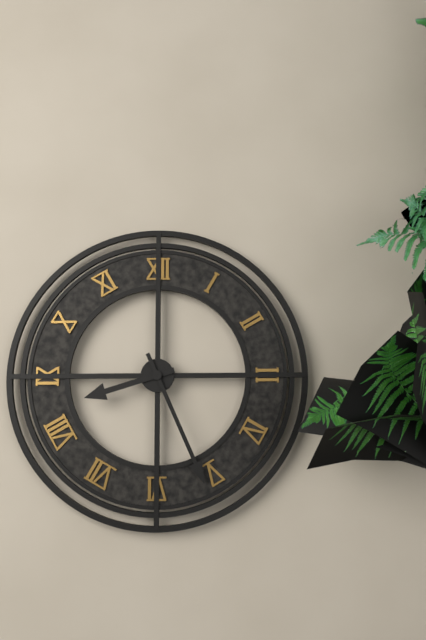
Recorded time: 8:26
